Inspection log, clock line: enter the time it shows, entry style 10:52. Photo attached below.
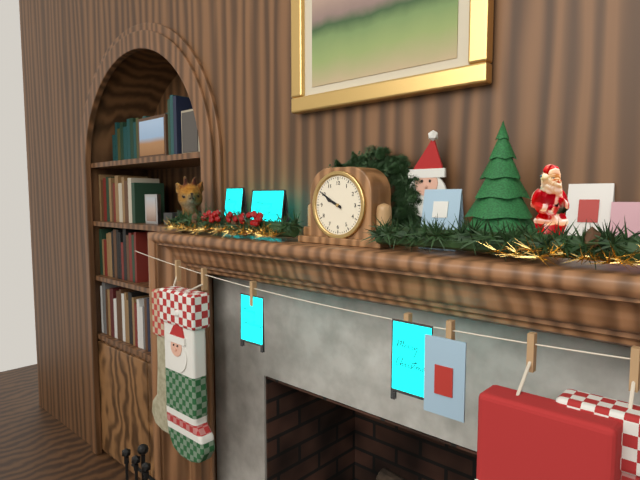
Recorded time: 9:50
